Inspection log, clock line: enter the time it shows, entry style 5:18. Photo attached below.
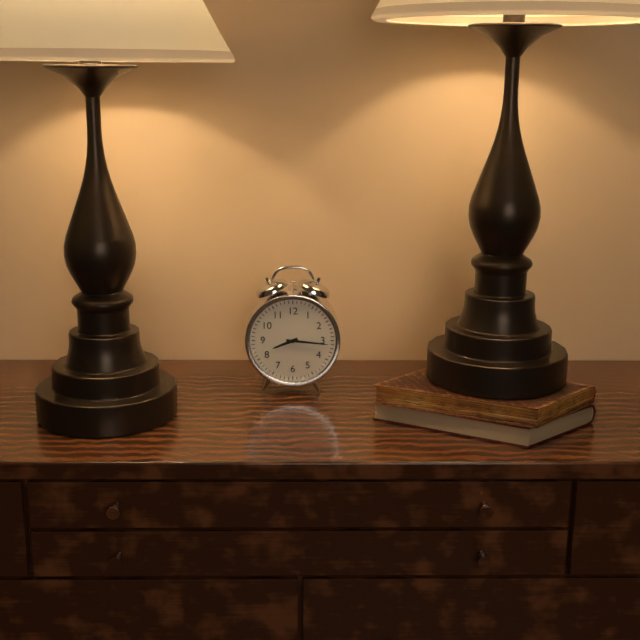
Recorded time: 8:16
